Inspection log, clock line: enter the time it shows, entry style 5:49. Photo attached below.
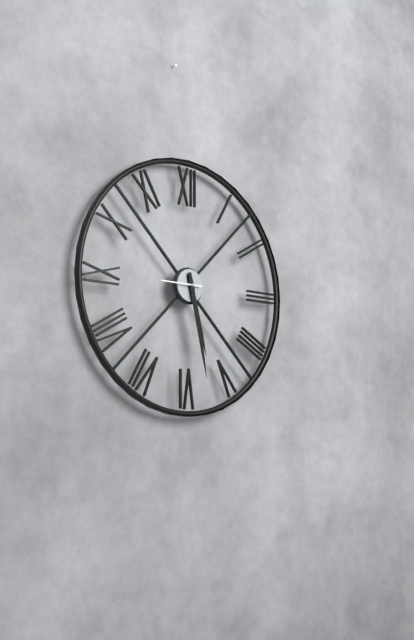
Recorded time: 5:28
